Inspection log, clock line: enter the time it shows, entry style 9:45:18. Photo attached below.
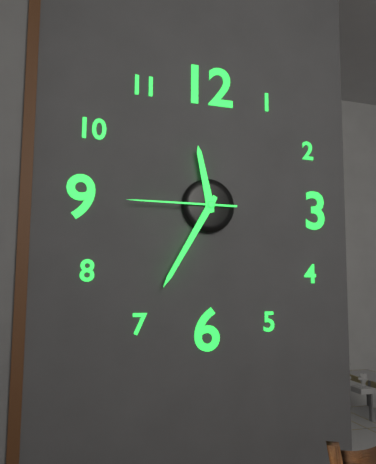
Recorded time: 11:35:45
